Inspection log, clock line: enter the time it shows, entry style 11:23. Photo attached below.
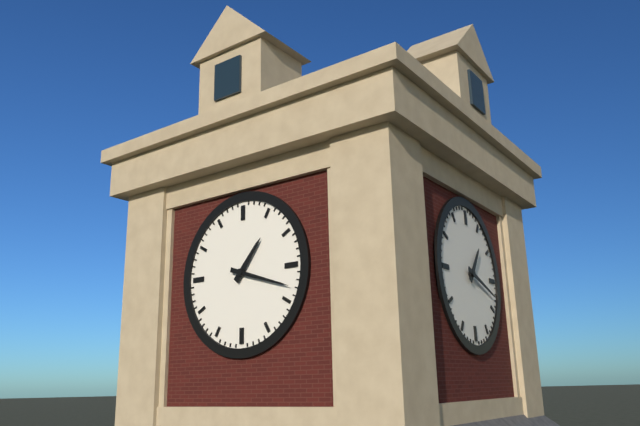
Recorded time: 1:18
